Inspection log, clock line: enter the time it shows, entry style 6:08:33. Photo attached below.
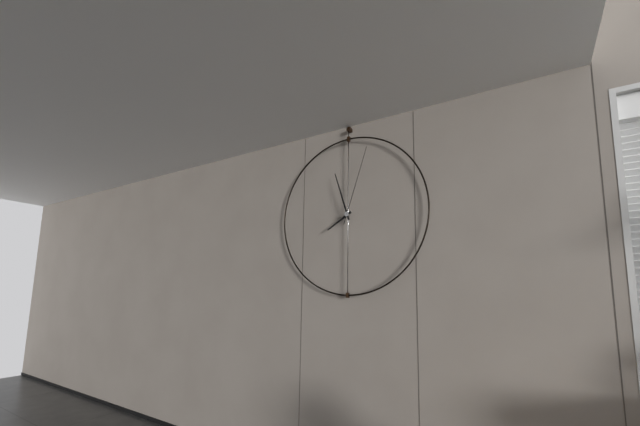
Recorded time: 7:57:03
